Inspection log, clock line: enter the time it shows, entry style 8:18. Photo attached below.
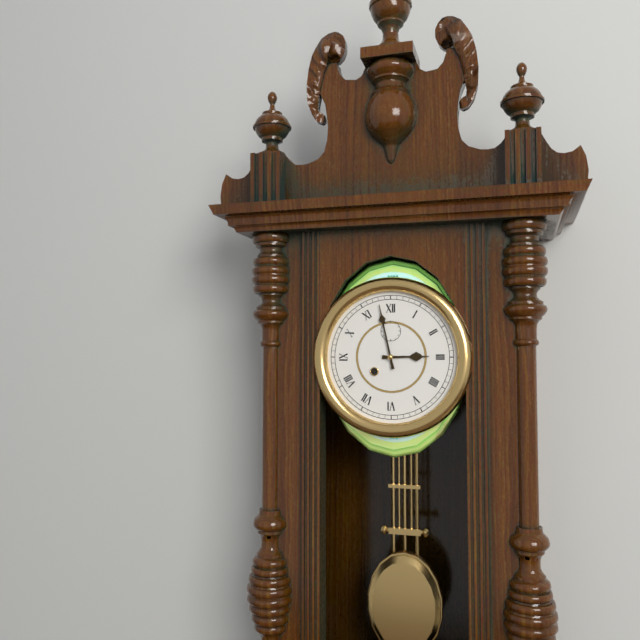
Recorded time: 2:58
